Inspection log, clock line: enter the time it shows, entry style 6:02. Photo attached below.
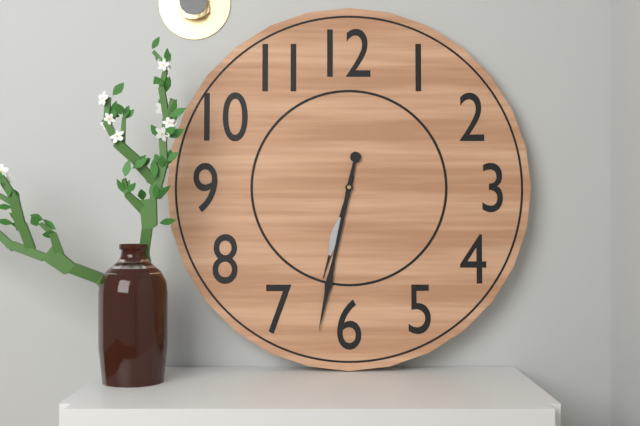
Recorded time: 6:32
